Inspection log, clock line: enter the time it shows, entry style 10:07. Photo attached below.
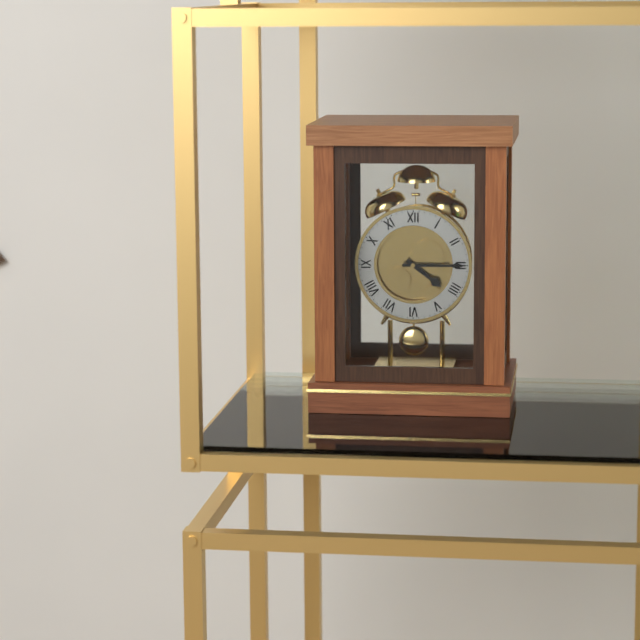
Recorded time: 4:15
